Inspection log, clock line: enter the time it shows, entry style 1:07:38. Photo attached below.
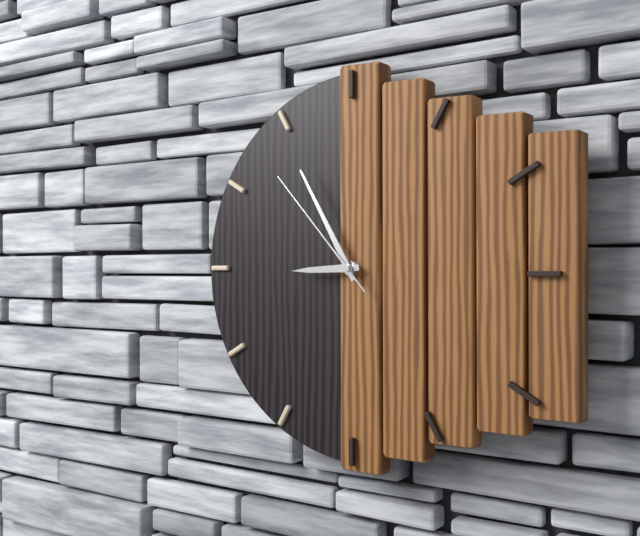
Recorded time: 8:55:53
